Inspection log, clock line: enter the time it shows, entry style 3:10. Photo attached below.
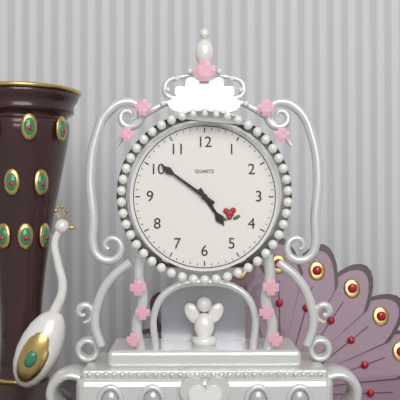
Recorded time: 4:51
